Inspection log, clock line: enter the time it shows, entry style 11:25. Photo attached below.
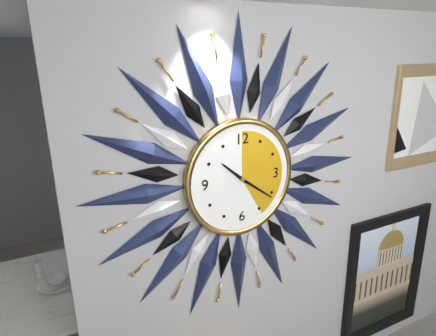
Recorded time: 10:21
